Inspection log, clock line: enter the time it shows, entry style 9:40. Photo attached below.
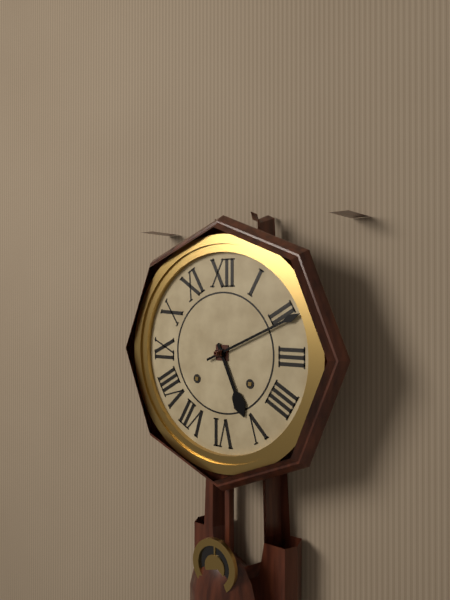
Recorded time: 5:11
